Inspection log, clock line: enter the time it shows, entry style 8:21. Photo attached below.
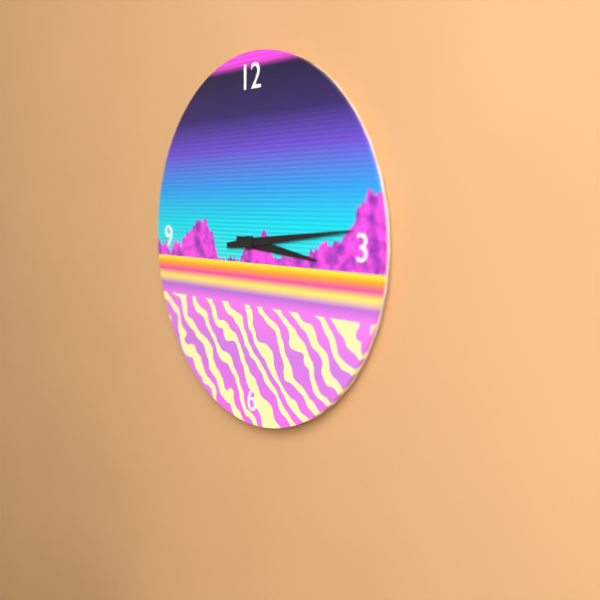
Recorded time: 3:14
